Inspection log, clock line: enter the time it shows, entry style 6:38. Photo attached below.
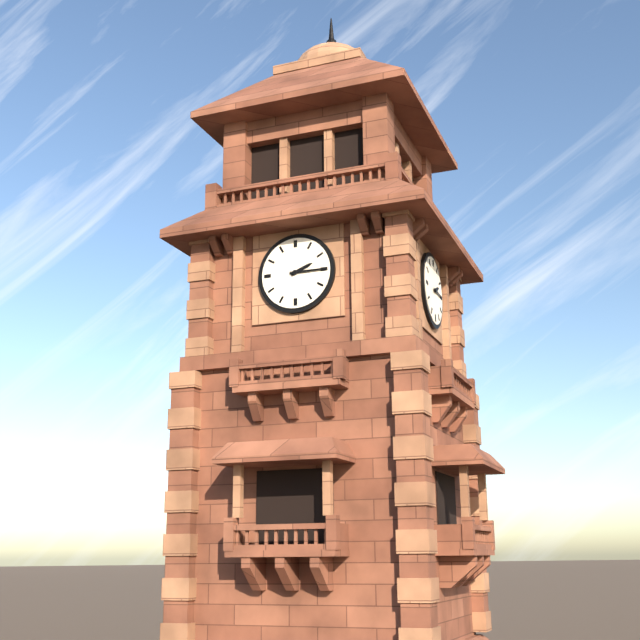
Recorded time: 2:15
